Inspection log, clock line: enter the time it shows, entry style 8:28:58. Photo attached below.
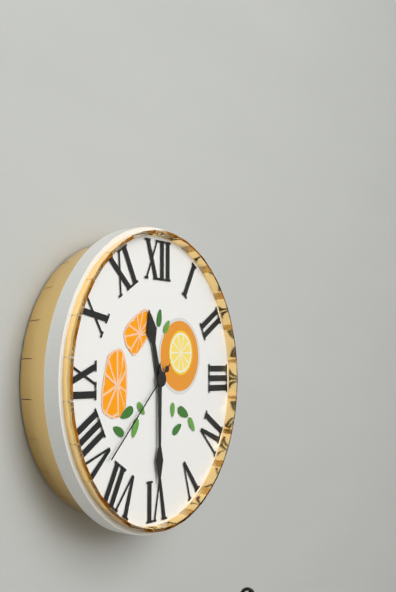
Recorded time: 11:30:38
